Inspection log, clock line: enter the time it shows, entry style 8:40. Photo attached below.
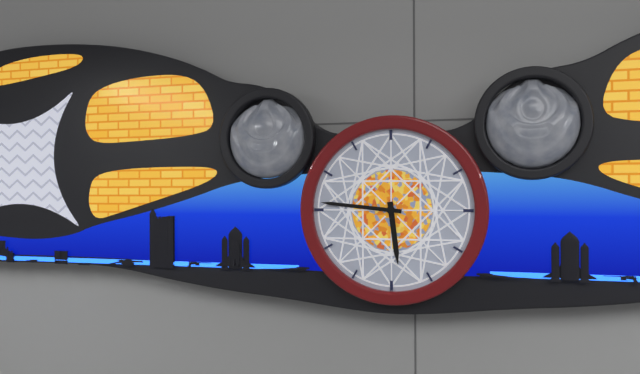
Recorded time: 5:46
